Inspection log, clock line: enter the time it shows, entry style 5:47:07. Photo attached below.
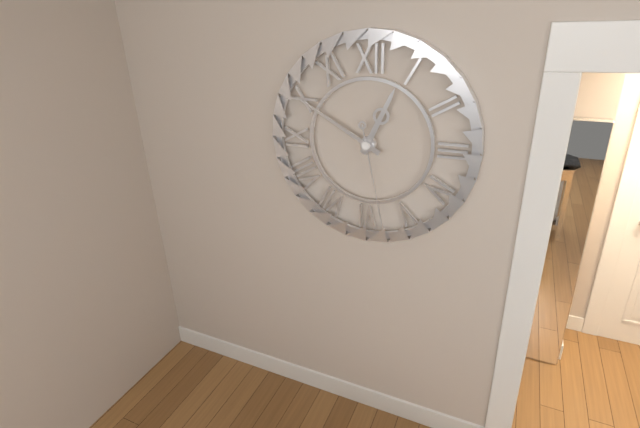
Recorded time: 12:50:28
